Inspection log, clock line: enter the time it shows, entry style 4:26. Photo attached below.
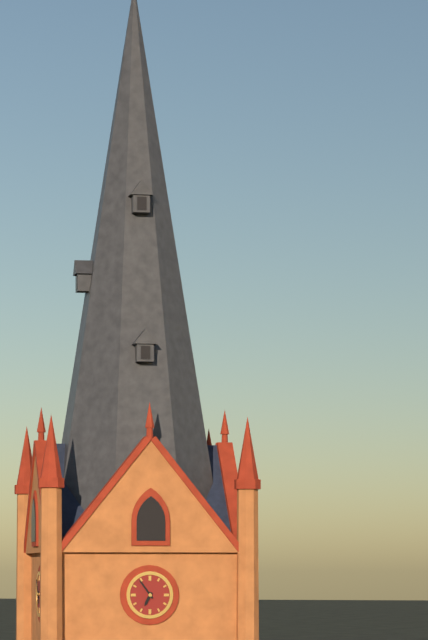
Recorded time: 6:54
